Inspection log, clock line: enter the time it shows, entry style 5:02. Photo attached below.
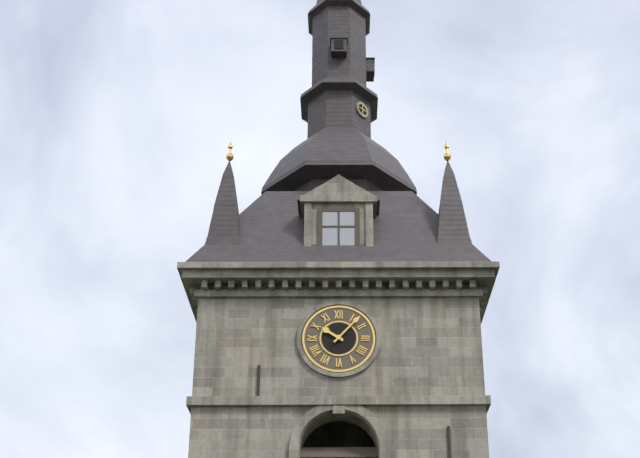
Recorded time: 10:07
